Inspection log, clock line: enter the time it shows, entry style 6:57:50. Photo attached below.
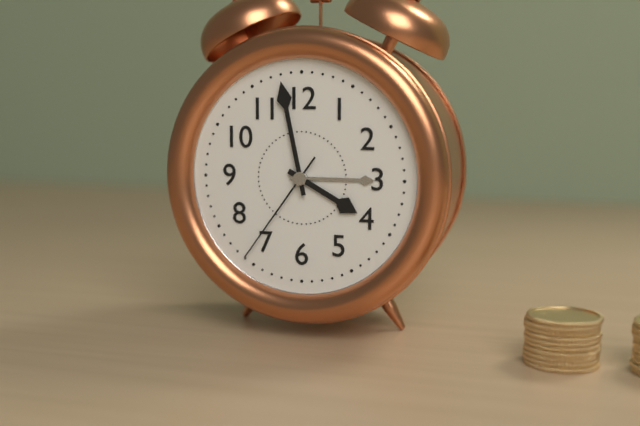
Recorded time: 3:58:36
